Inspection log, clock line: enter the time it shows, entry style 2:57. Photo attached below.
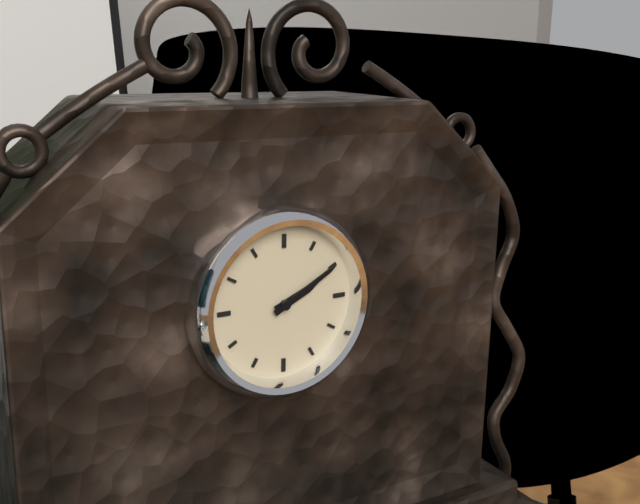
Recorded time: 2:10
